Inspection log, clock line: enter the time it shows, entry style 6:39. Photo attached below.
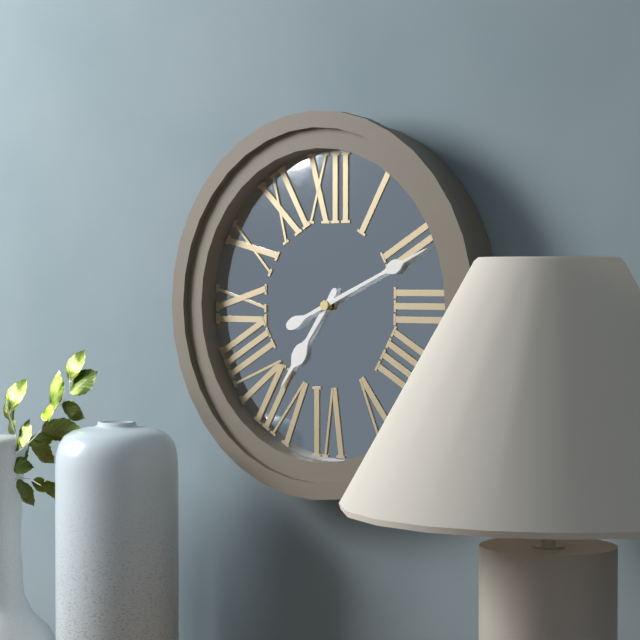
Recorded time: 7:11
